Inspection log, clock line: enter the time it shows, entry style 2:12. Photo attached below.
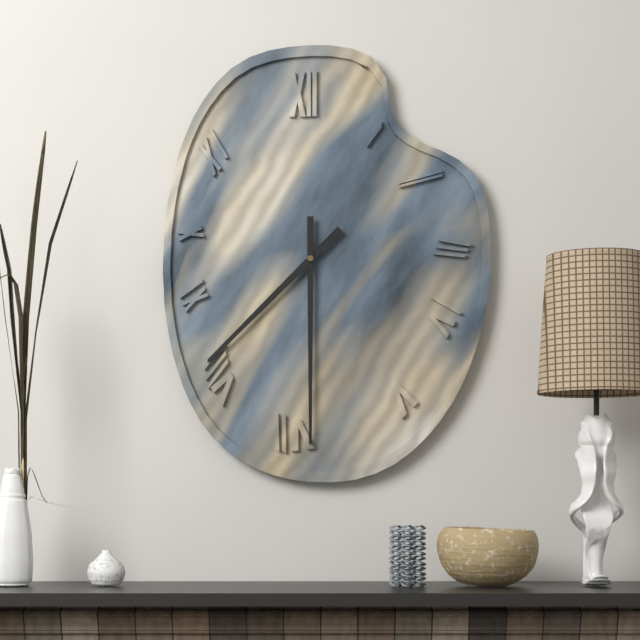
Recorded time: 7:30
